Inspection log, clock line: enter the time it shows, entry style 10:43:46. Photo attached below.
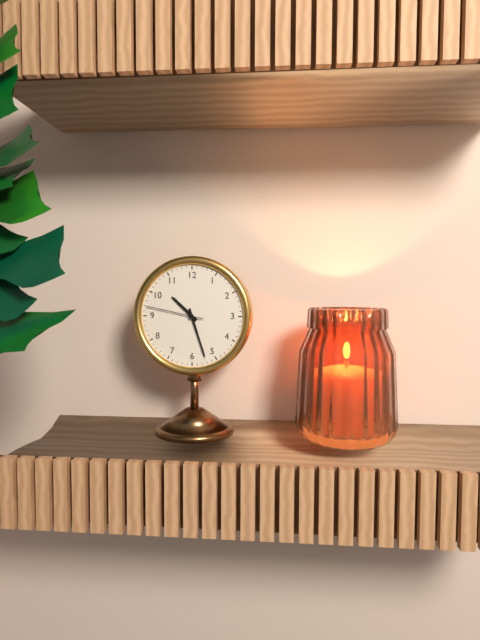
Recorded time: 10:27:47
